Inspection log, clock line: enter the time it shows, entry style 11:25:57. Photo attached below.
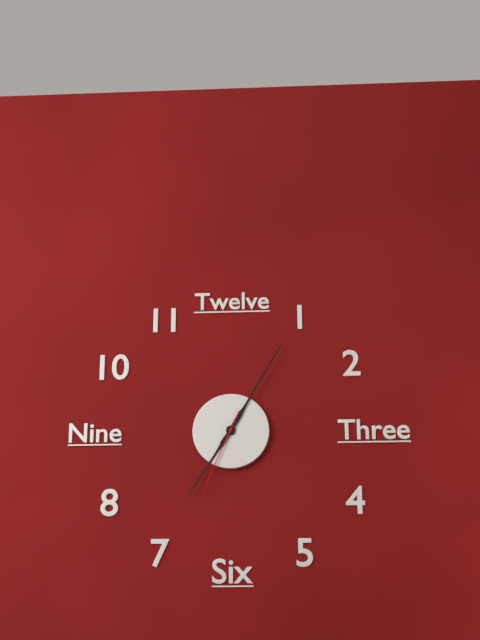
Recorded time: 7:05:34
